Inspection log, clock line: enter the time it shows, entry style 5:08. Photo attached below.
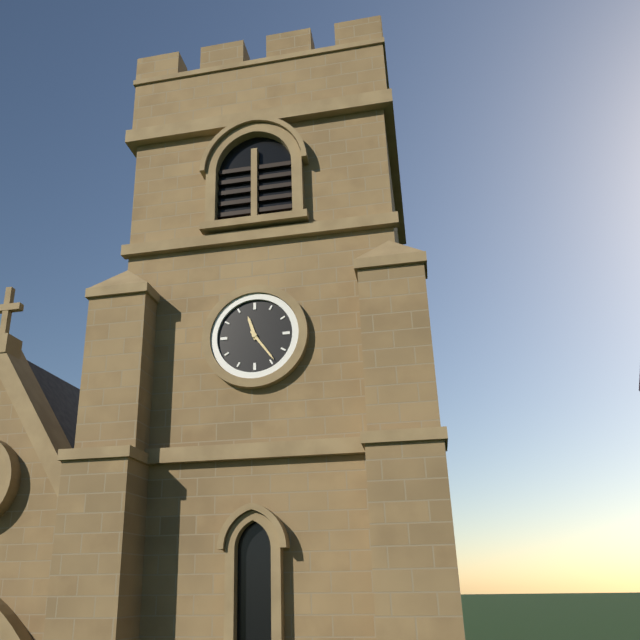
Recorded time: 11:24
